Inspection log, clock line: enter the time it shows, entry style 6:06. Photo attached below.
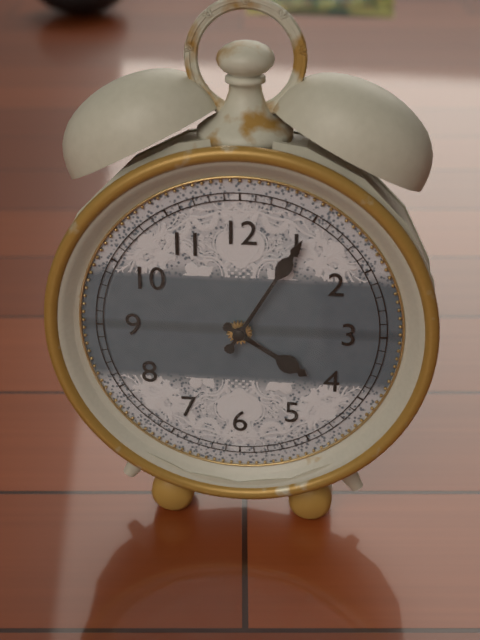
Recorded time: 4:05
